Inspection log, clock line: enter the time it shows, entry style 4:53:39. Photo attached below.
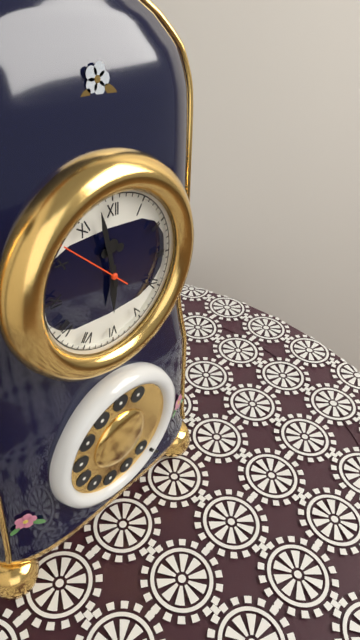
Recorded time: 5:58:52
